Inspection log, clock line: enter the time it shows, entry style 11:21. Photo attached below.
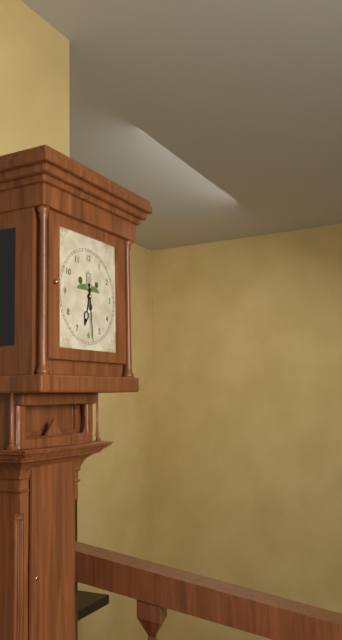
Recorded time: 6:29
